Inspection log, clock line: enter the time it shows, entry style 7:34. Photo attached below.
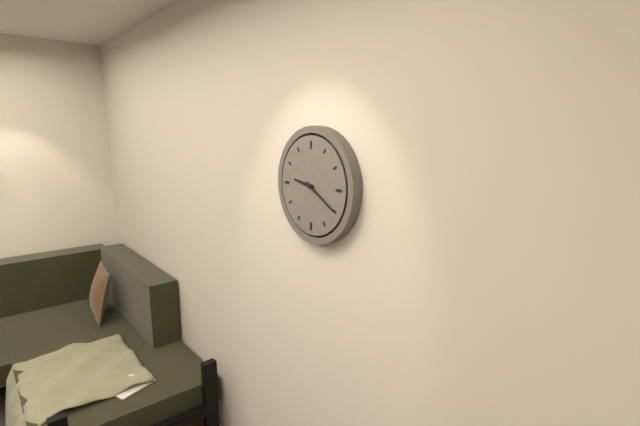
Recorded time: 9:20
